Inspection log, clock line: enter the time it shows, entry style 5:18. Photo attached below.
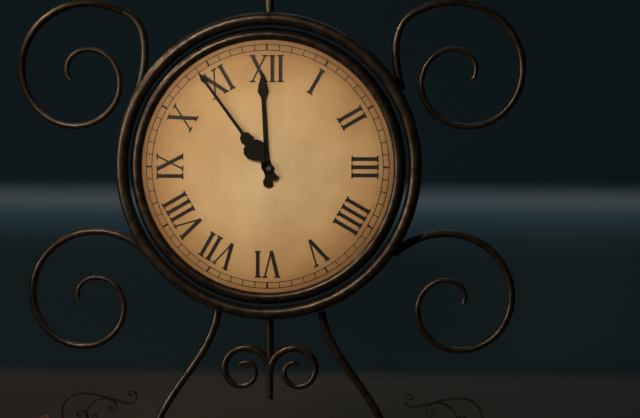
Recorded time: 11:54
